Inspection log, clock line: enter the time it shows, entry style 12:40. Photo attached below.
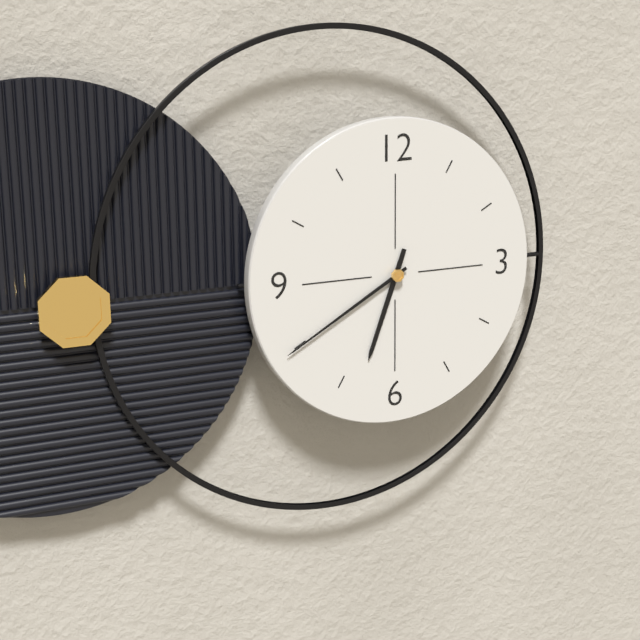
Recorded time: 6:40
